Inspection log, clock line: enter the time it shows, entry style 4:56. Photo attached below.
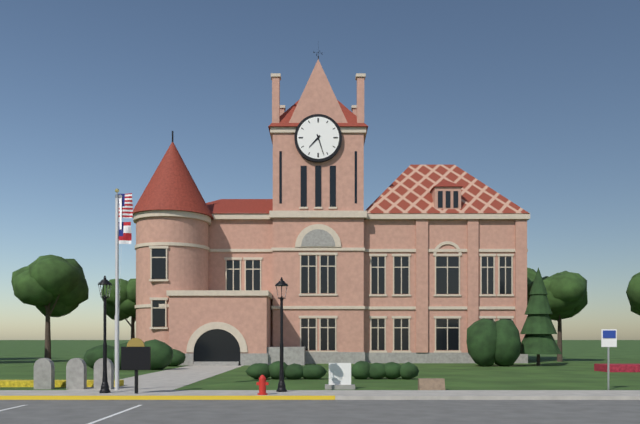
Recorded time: 7:27
